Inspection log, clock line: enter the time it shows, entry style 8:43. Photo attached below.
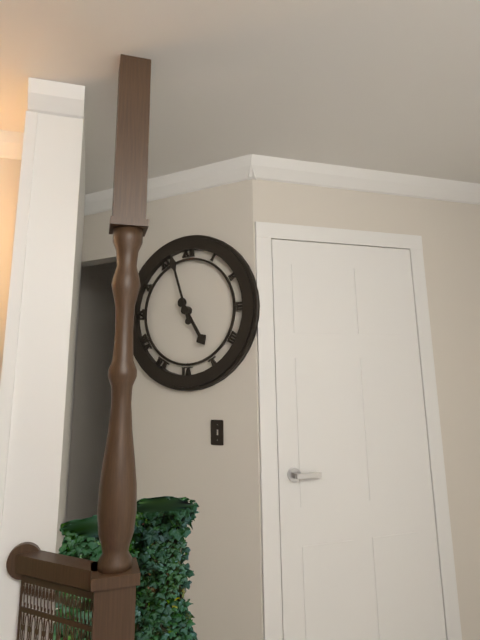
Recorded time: 4:57
